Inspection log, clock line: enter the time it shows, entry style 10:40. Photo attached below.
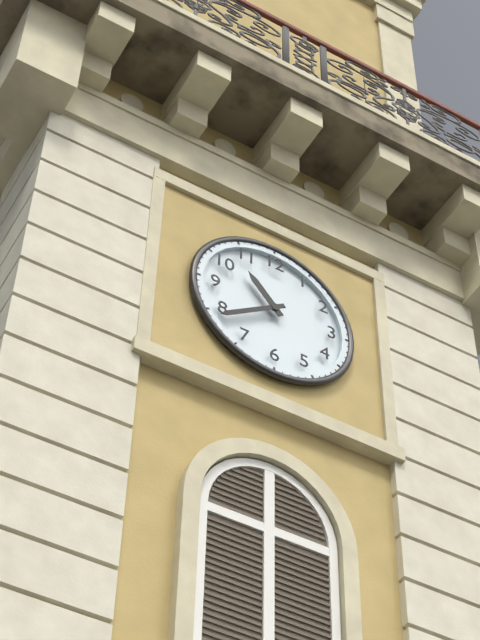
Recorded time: 10:39
